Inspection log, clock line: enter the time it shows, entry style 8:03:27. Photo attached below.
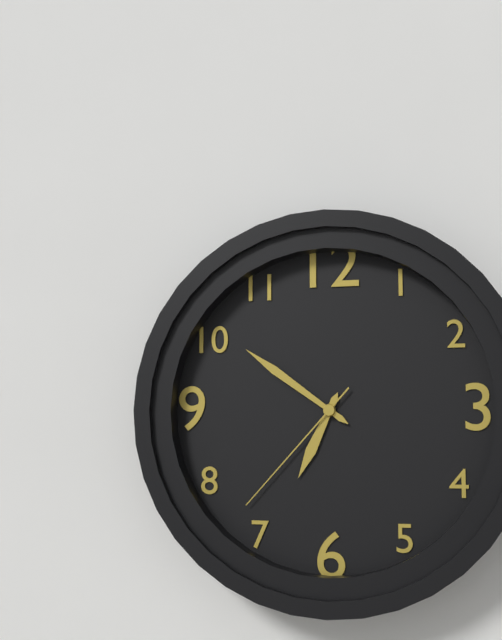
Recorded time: 6:51:37
